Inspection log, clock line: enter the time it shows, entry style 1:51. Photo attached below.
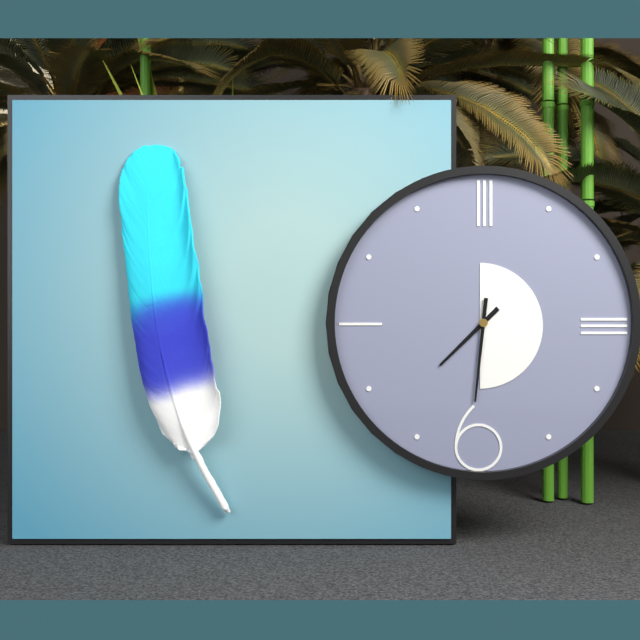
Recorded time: 7:31
